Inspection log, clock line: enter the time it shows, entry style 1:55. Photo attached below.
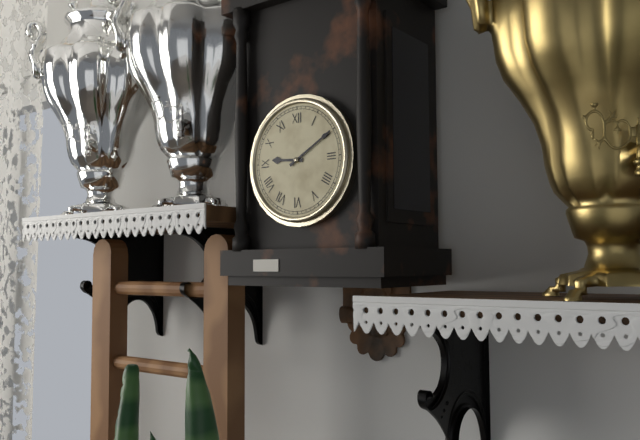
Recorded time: 9:10
